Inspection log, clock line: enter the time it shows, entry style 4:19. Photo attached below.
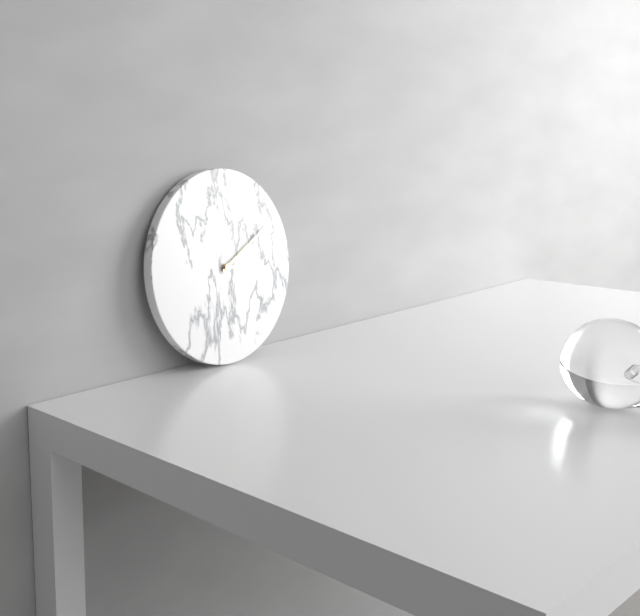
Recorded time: 3:10
